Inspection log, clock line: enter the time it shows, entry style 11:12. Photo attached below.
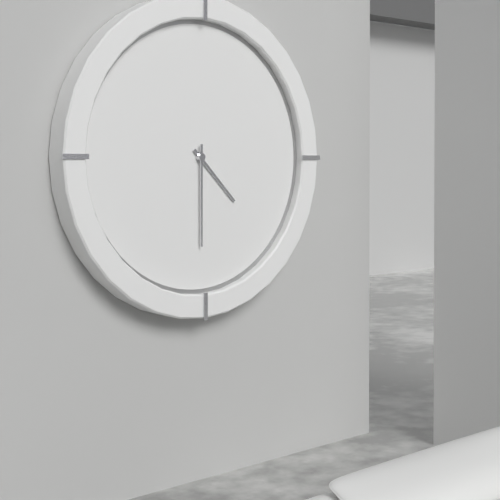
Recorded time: 4:30
